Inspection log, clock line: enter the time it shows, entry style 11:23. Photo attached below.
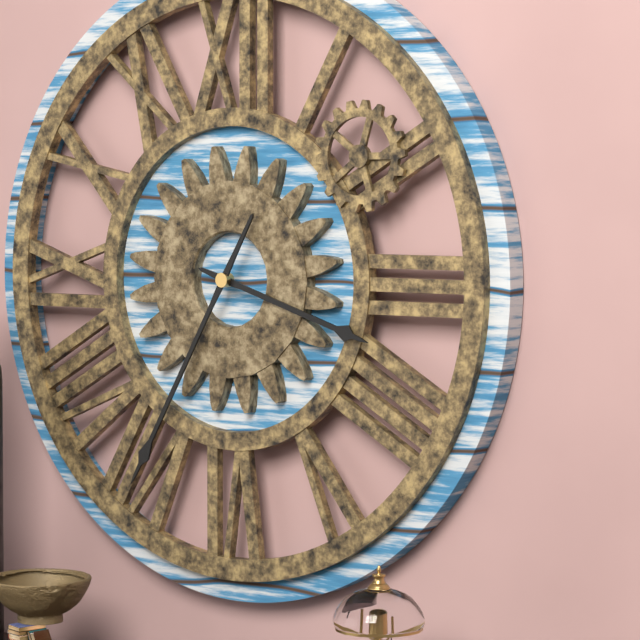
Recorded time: 3:35
